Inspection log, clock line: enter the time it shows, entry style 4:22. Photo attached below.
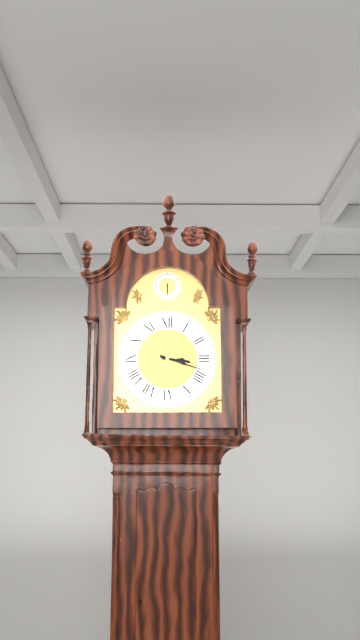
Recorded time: 3:18
